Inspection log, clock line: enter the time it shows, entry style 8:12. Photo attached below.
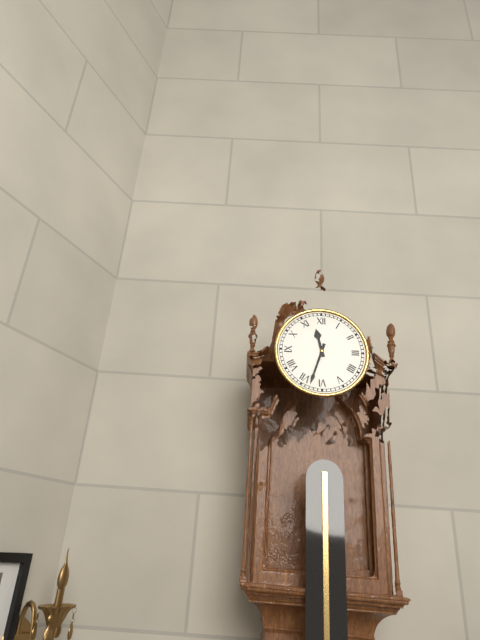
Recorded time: 11:33
